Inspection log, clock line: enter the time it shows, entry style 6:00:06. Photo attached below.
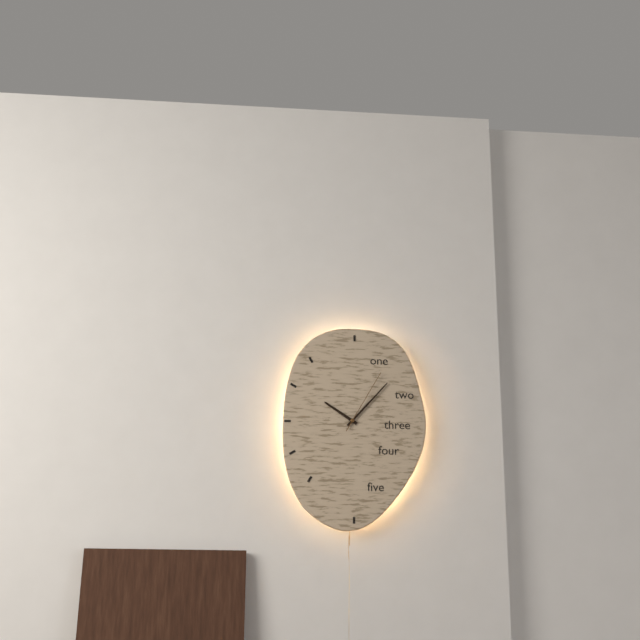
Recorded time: 10:07:05
